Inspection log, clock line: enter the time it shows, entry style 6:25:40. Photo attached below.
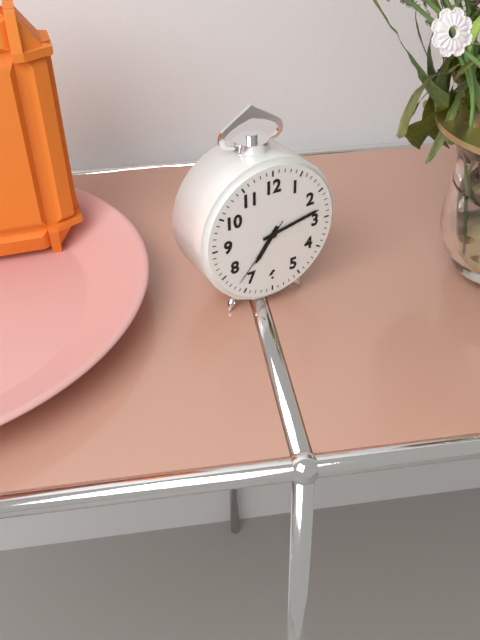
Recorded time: 7:13:37
